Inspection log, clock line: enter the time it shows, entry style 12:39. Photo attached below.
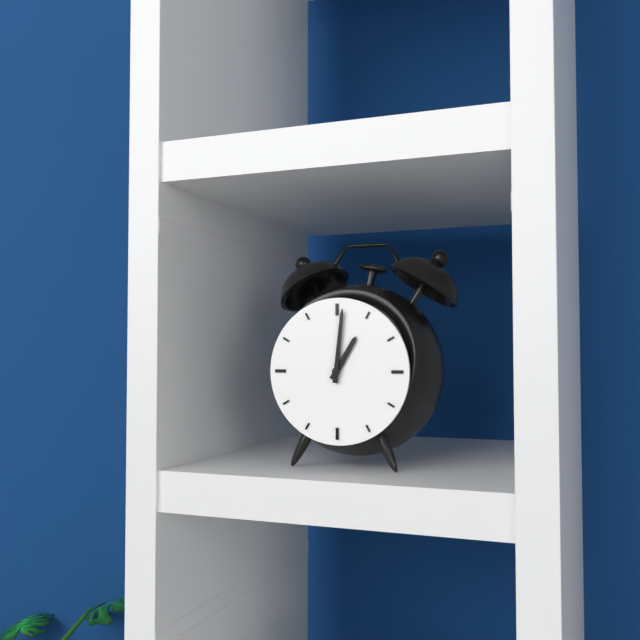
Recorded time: 1:01
